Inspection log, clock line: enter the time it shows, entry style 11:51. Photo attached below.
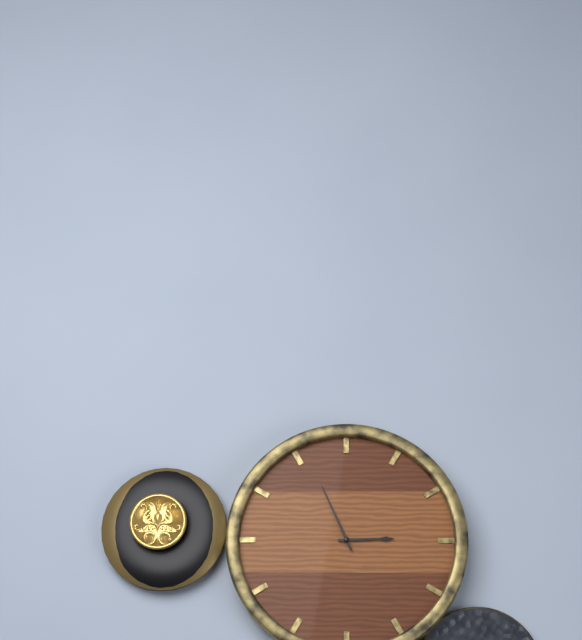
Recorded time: 2:56
